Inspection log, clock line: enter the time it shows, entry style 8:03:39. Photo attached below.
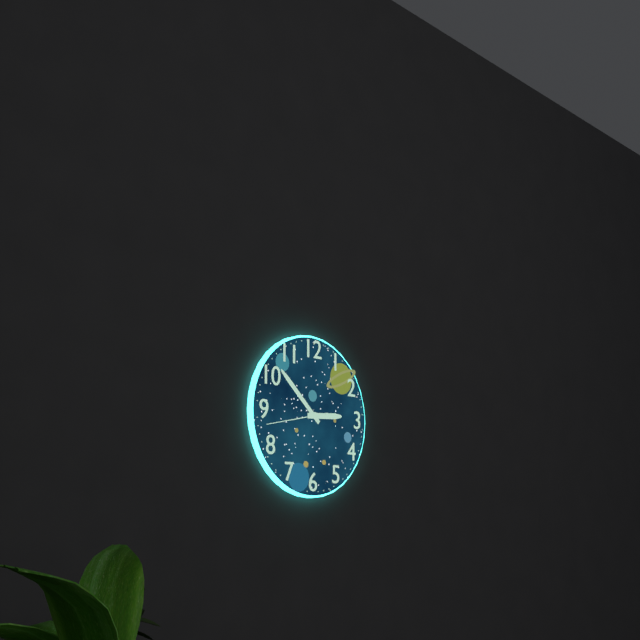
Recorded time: 2:52:43
